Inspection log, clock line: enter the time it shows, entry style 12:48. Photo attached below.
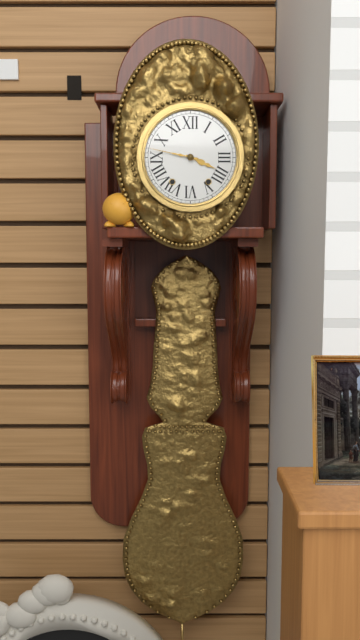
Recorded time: 3:47
